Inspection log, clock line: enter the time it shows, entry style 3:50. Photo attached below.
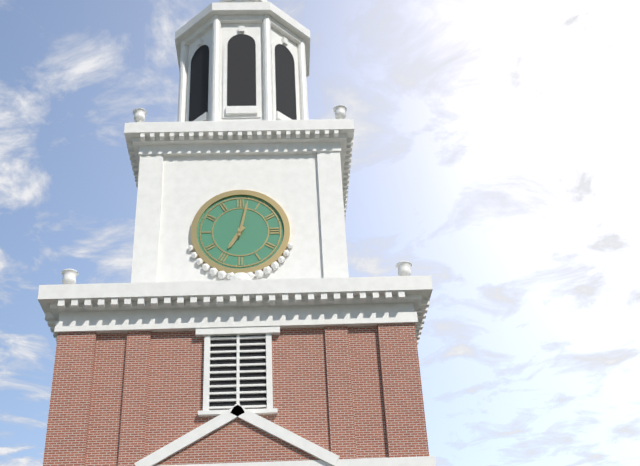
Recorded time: 7:02
